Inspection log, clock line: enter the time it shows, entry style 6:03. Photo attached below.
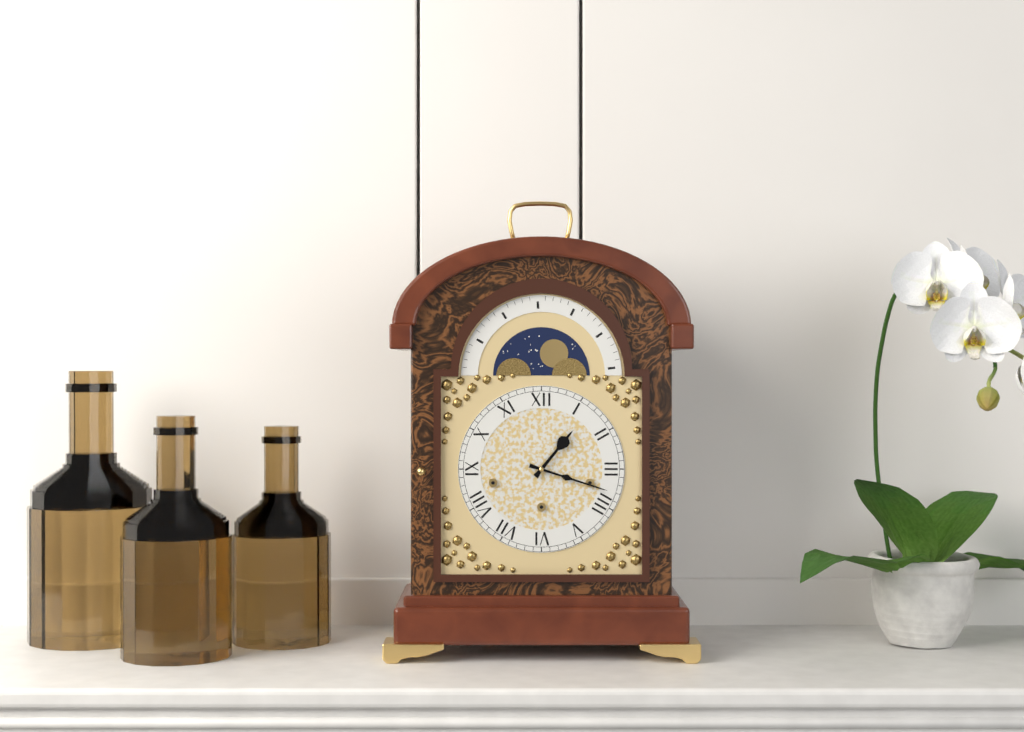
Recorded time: 1:18
